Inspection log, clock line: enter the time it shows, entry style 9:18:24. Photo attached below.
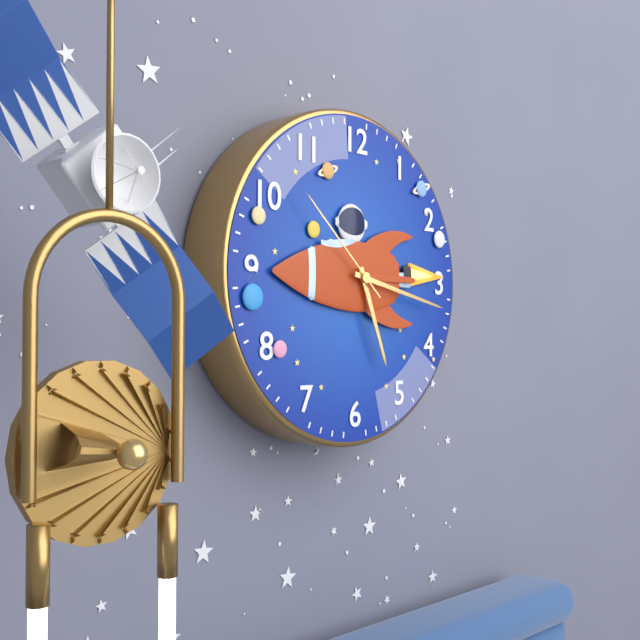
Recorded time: 5:17:52
